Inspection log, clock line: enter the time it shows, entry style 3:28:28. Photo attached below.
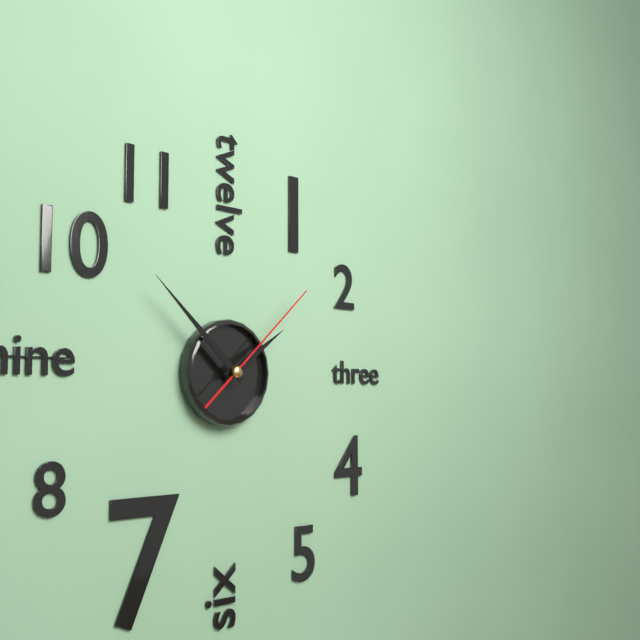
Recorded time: 1:52:08
